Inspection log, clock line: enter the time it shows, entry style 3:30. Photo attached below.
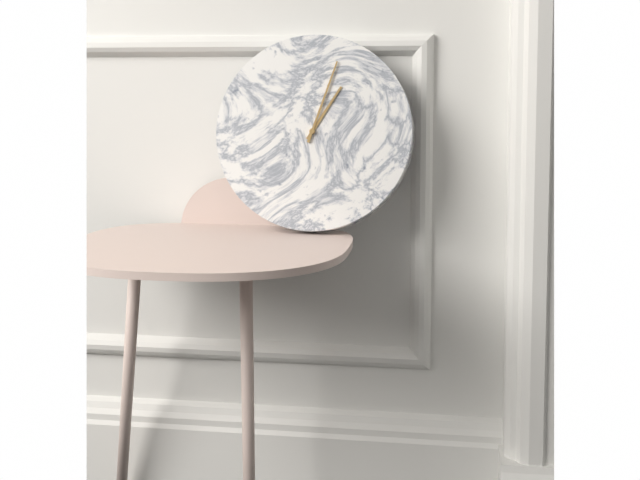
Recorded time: 1:03
